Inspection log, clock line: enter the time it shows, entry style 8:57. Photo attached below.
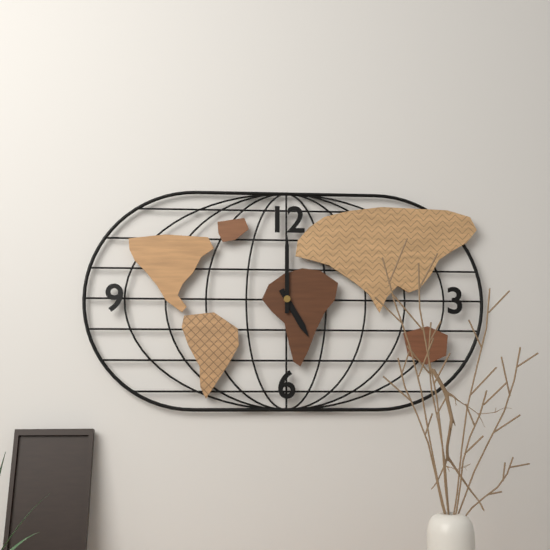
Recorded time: 5:00
